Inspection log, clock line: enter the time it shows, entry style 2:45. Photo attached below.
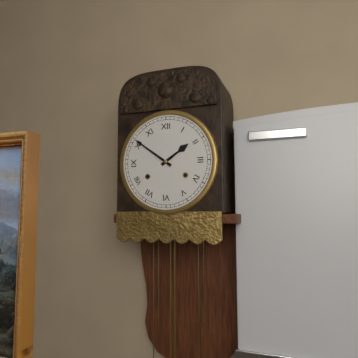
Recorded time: 1:51
